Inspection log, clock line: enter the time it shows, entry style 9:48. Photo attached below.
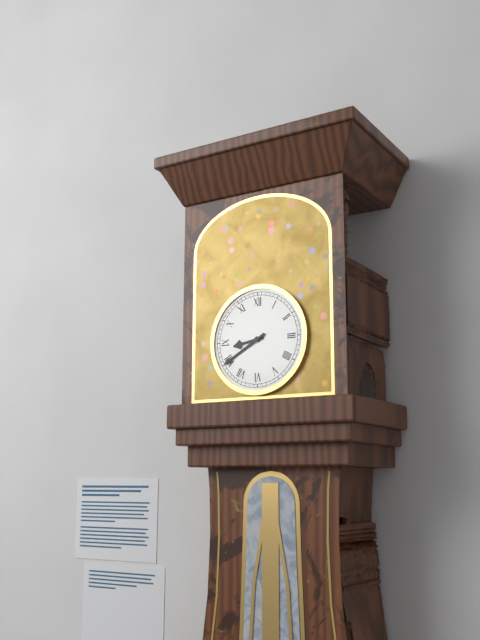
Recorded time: 8:40
